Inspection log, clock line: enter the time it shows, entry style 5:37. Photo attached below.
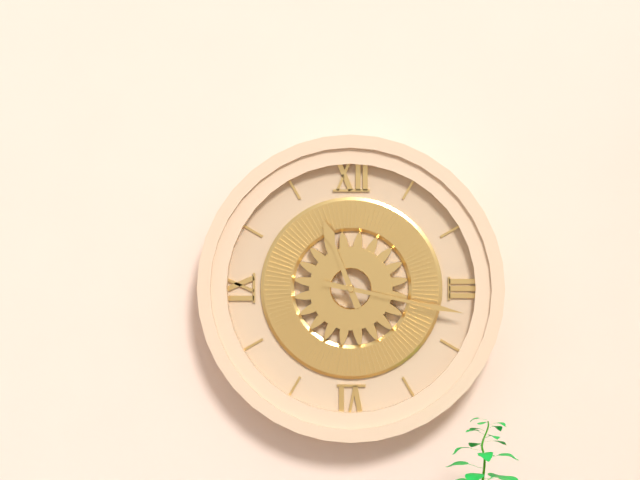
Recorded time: 11:17
